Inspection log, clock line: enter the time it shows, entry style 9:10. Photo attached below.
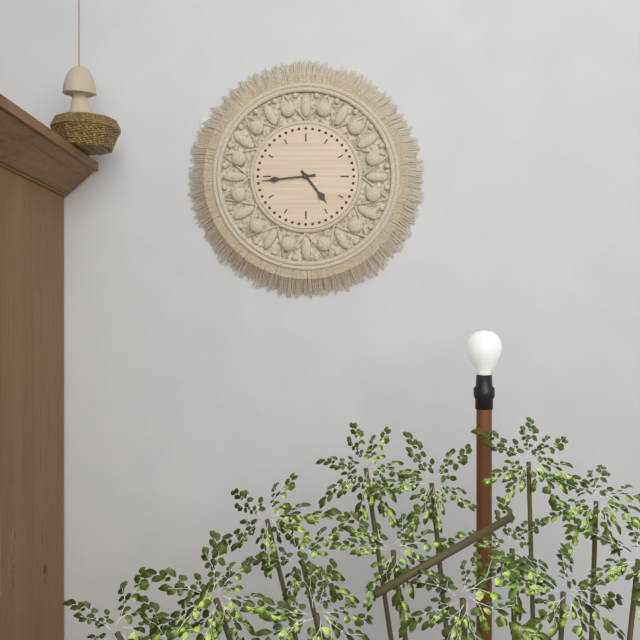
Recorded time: 4:44
